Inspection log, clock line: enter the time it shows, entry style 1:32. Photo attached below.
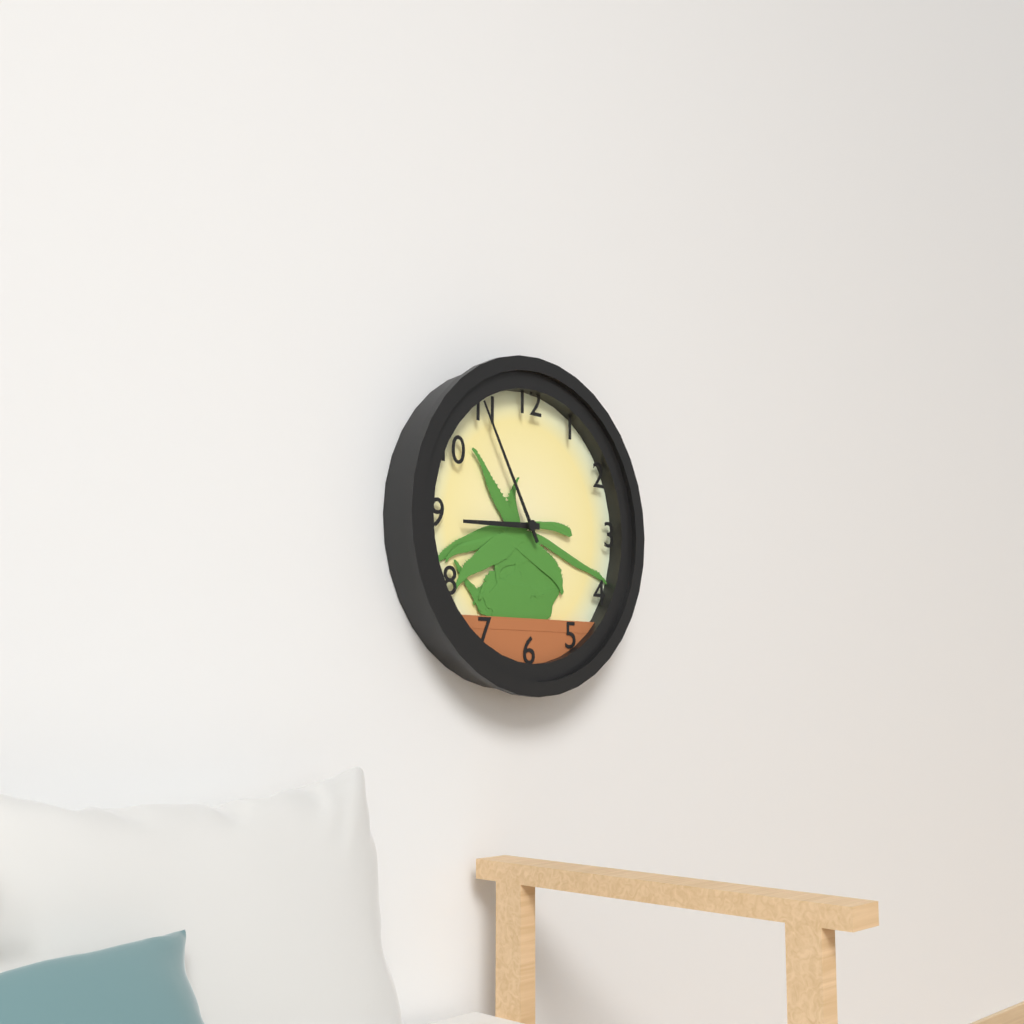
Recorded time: 8:55
